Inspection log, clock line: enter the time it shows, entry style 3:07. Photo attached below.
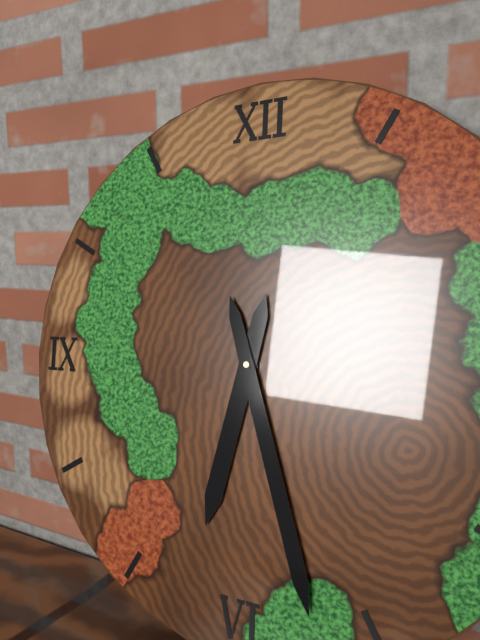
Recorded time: 6:27
